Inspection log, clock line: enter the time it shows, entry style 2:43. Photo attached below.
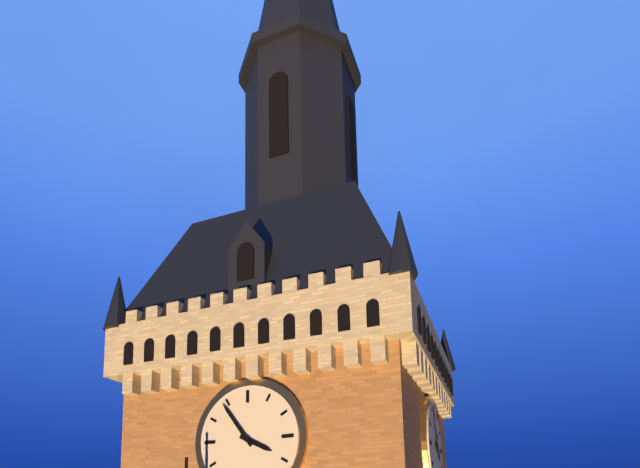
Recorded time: 3:54
